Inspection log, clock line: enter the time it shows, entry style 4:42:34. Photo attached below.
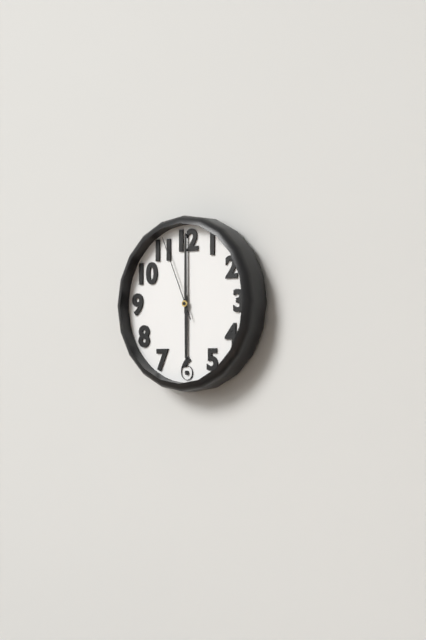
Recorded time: 6:00:56
